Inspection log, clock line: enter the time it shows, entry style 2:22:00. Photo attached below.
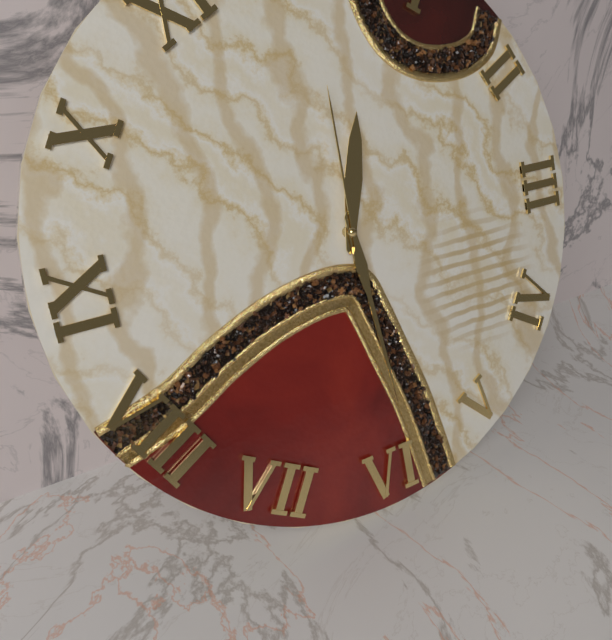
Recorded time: 12:29:00
